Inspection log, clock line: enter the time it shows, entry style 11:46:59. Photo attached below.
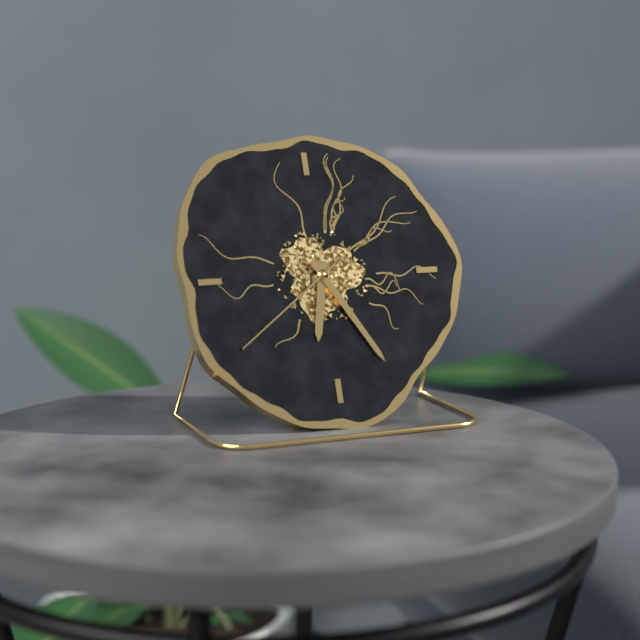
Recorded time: 6:25:39
